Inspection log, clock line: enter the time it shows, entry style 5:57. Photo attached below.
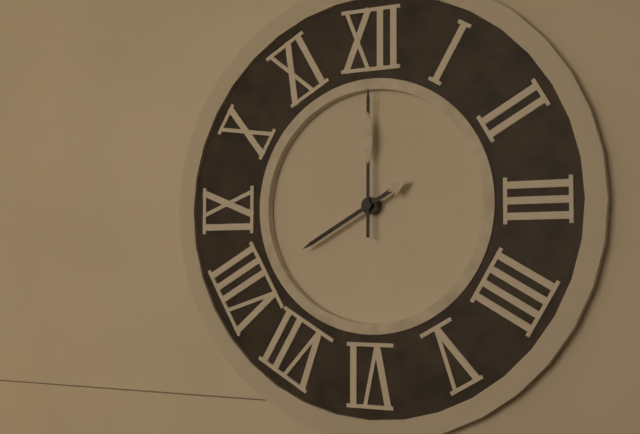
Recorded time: 8:00
